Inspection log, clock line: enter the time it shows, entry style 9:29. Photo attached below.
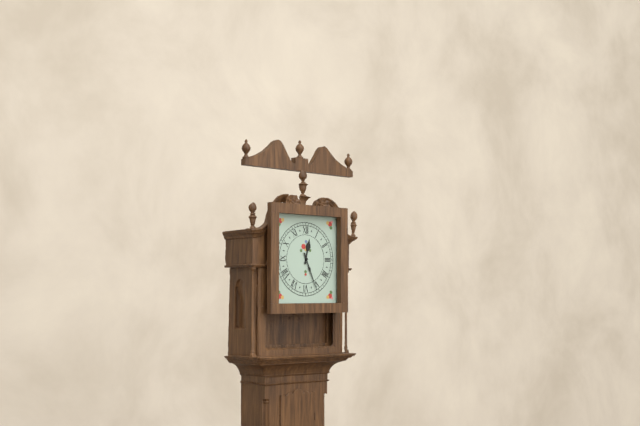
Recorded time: 12:26
